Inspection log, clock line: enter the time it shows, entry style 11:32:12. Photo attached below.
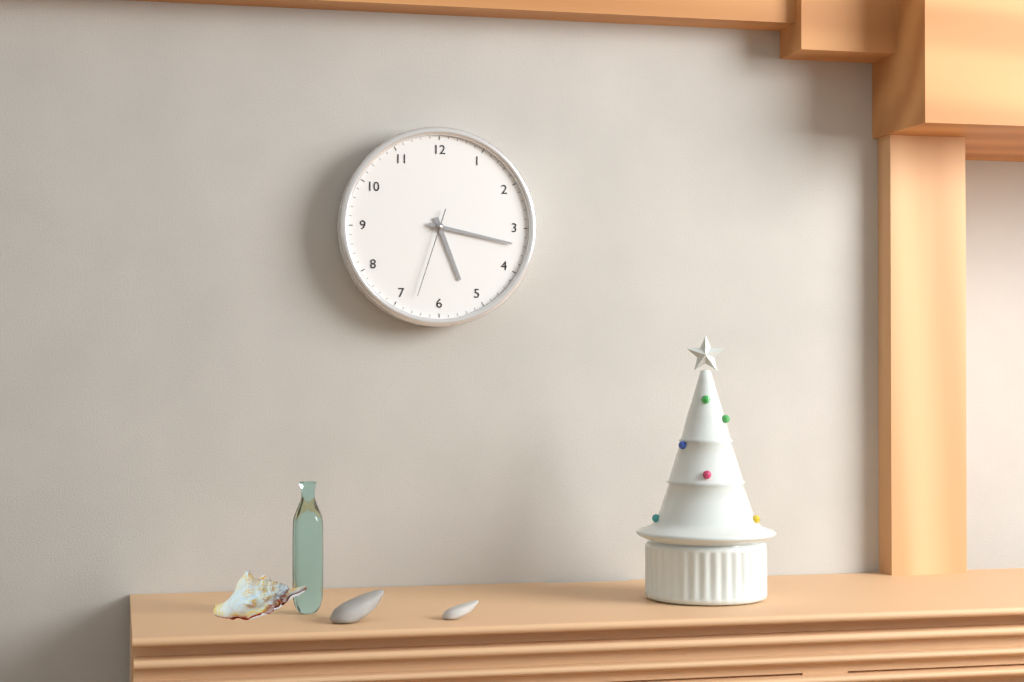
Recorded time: 5:17:33
